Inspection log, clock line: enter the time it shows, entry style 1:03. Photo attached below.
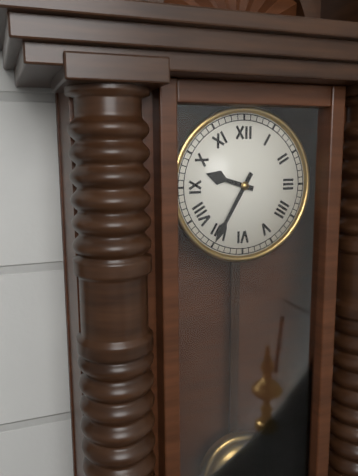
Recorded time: 9:35
